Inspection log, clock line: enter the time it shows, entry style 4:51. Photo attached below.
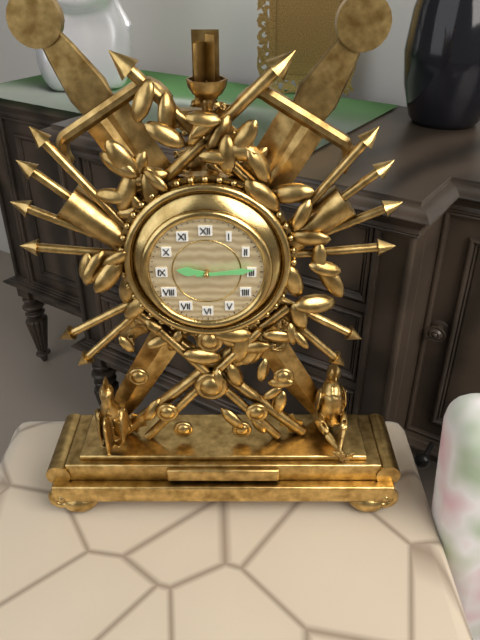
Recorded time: 9:14
